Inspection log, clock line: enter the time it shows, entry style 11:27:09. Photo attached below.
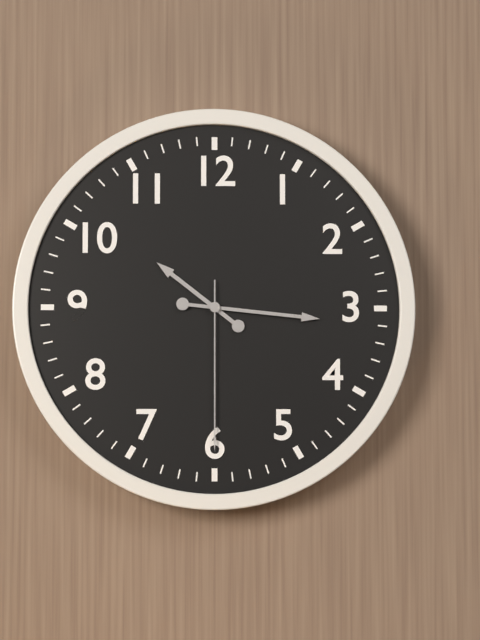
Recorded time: 10:16:30
